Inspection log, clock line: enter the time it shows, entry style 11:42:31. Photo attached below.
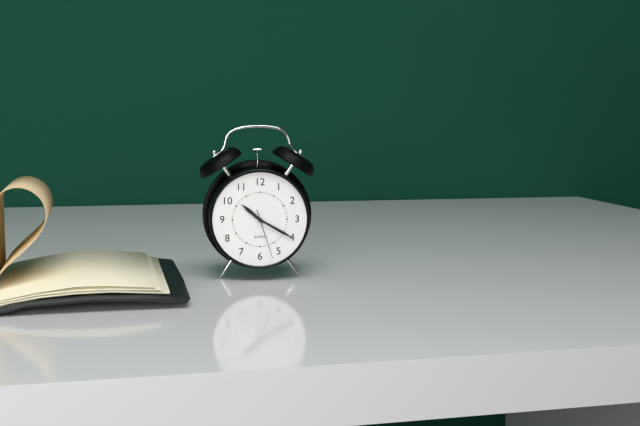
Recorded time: 10:20:27
